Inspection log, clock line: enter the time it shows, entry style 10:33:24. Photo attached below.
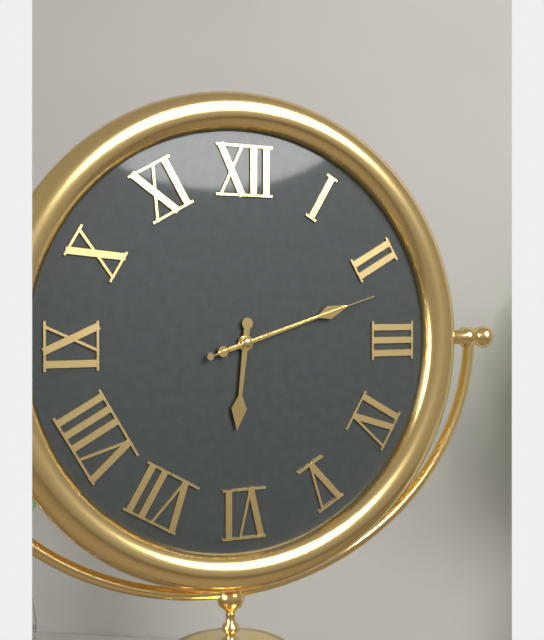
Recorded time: 6:12:12
